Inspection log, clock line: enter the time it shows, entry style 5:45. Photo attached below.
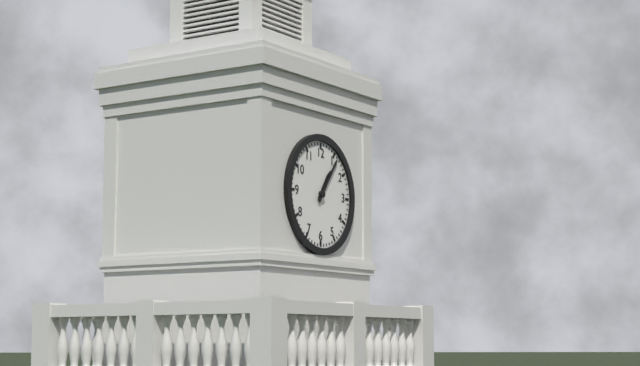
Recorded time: 1:06
